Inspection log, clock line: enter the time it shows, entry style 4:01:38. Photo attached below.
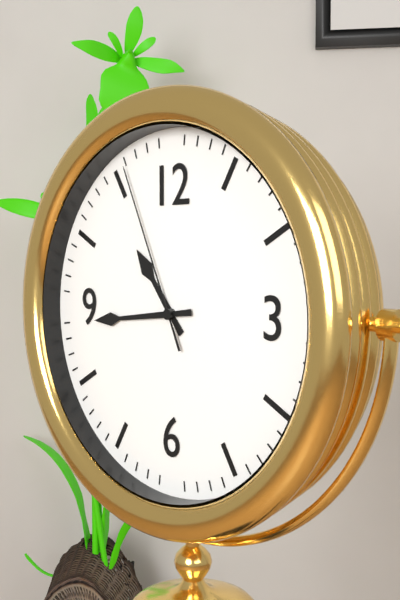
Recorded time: 10:44:56
